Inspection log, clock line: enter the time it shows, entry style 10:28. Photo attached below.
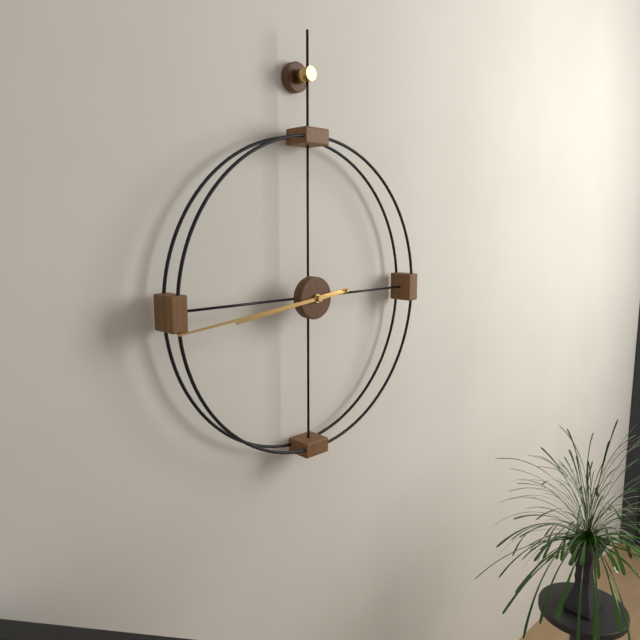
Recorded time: 8:44
